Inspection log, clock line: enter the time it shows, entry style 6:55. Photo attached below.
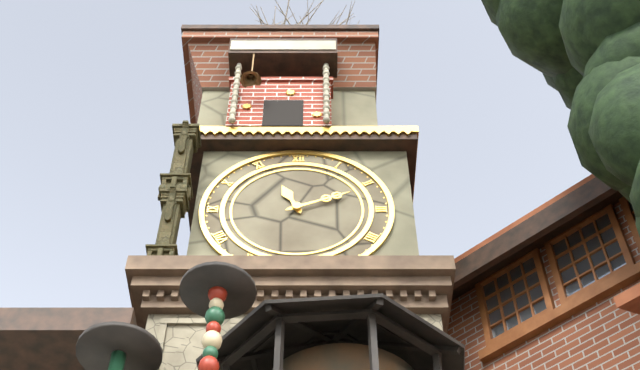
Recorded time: 11:11
